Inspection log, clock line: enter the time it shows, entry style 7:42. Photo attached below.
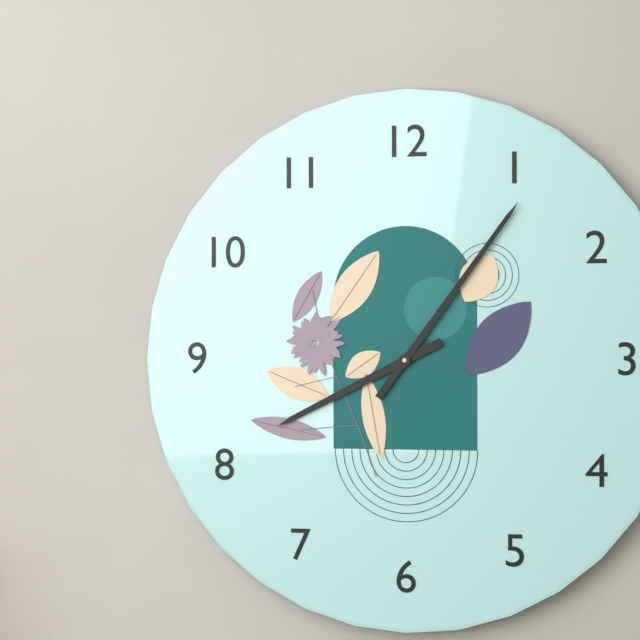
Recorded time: 8:06
